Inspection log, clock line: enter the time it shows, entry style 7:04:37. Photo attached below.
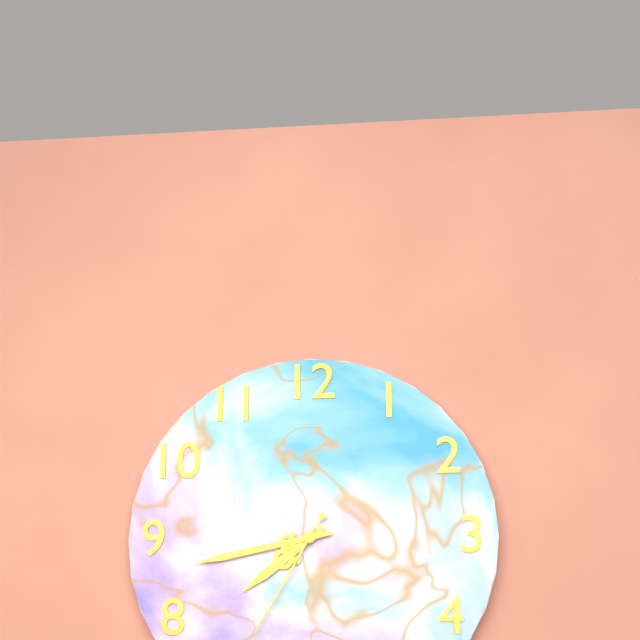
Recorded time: 7:43:35
